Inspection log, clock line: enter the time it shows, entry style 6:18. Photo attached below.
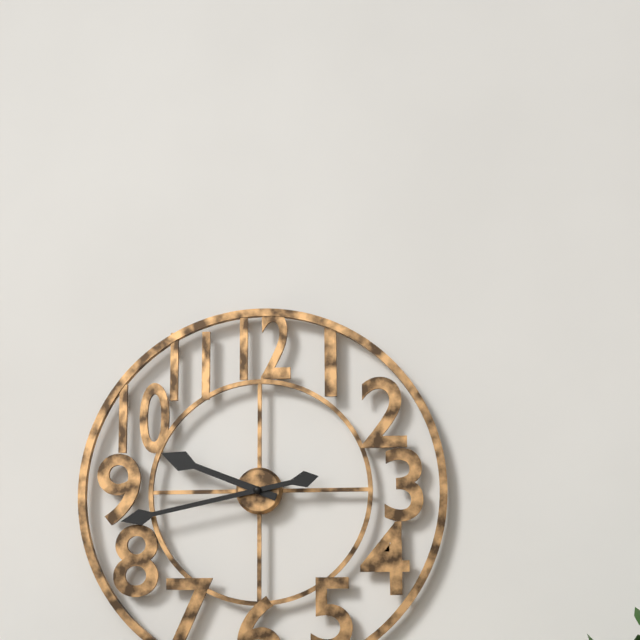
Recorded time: 9:43
